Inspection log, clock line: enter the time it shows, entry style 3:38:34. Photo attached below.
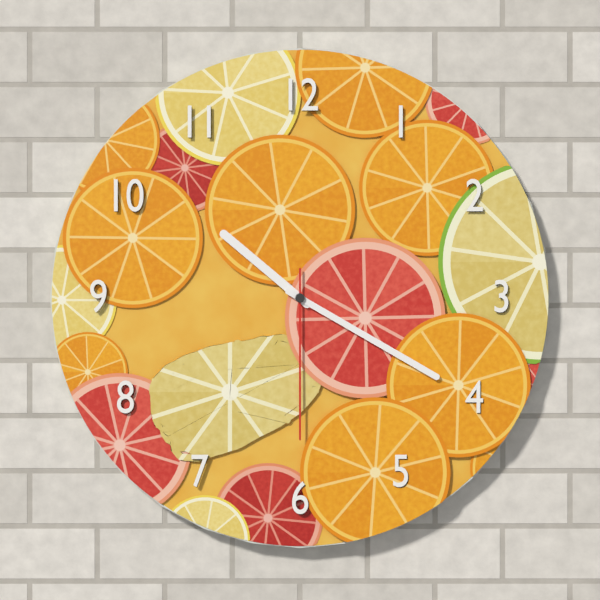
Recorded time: 10:20:30
